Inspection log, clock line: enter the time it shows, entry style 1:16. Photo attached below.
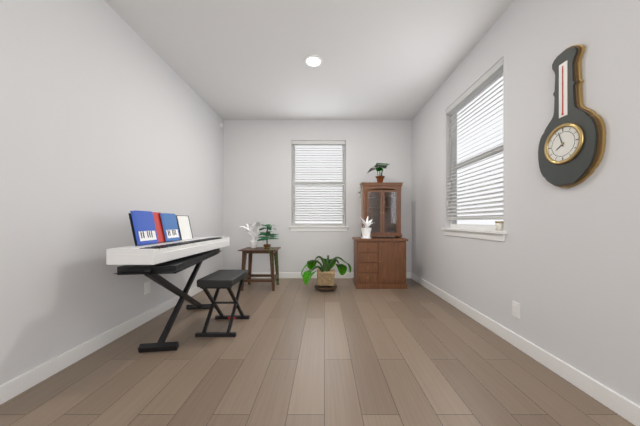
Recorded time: 7:57
